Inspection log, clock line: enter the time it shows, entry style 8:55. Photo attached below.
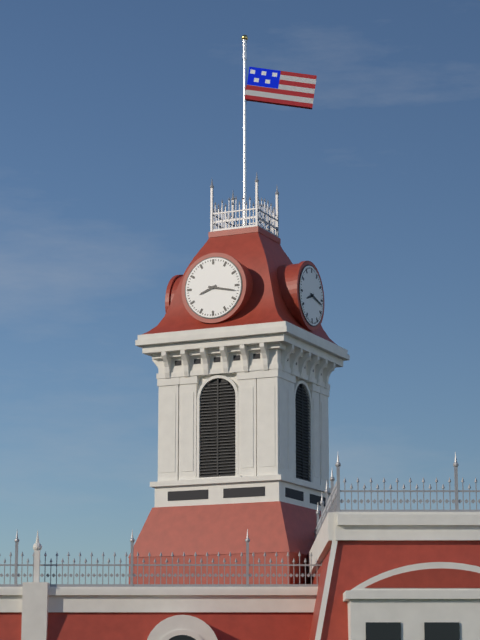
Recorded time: 8:17
